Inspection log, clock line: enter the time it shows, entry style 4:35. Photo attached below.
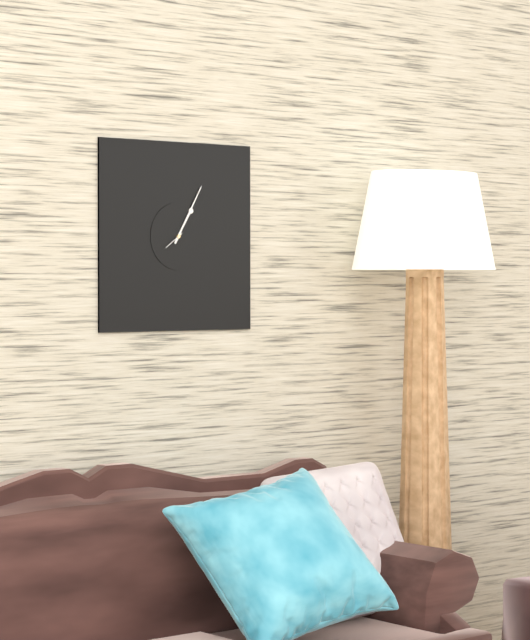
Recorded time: 1:05
